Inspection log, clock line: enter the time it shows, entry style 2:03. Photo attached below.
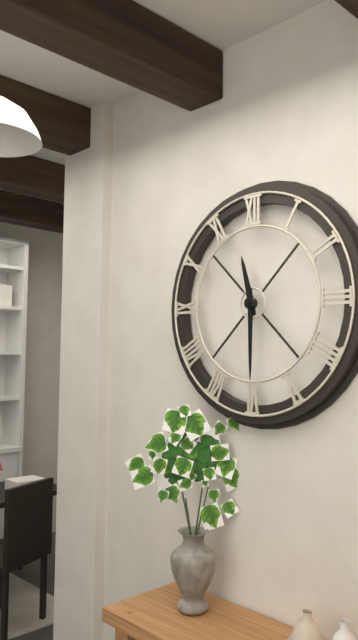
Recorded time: 11:30
